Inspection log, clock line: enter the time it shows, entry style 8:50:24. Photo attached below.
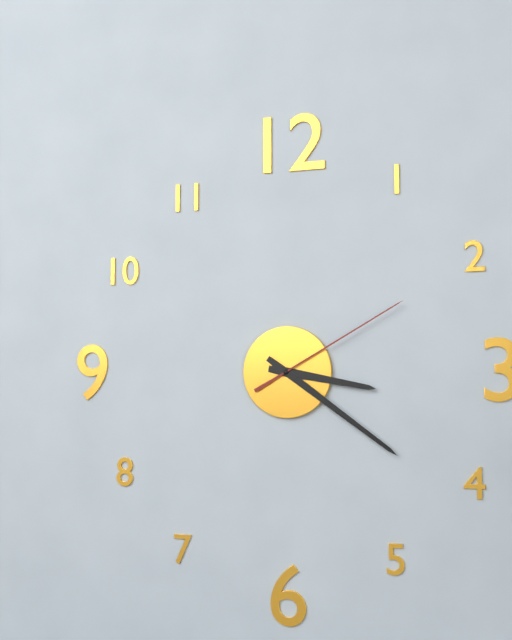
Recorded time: 3:21:10
